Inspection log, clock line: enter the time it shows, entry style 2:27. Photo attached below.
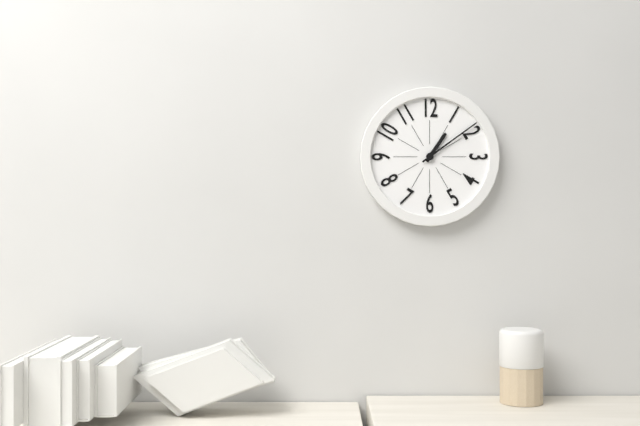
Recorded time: 1:09
